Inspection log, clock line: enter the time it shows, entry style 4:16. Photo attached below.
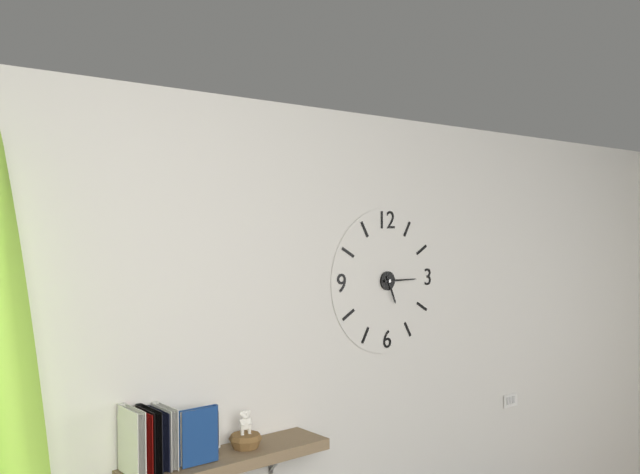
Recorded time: 5:15
